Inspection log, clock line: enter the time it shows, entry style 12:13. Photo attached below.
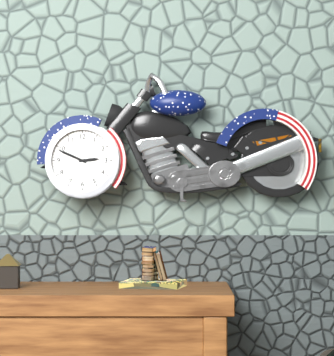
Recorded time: 2:49
